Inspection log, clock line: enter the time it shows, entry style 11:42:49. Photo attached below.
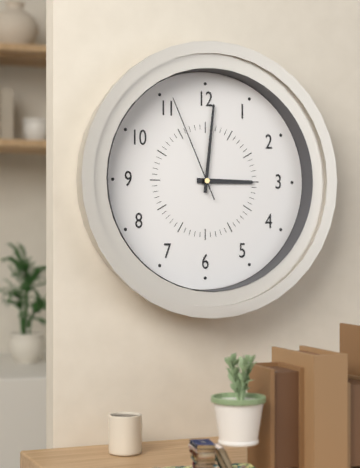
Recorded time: 3:01:56
